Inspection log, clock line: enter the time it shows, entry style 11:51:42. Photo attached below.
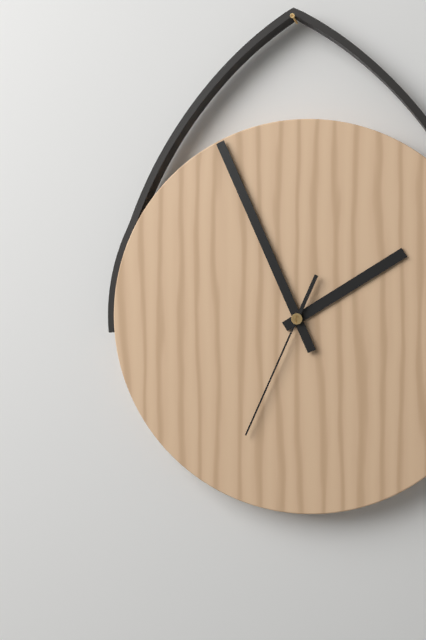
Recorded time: 1:56:34
